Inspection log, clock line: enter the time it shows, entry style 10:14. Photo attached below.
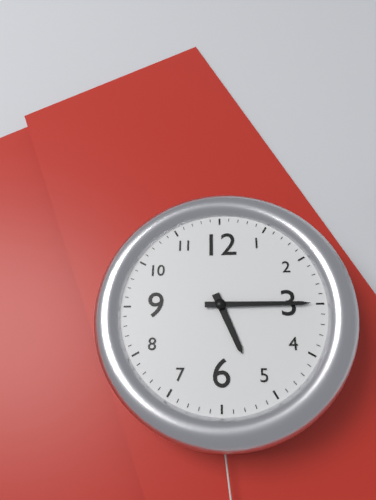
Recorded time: 5:15
